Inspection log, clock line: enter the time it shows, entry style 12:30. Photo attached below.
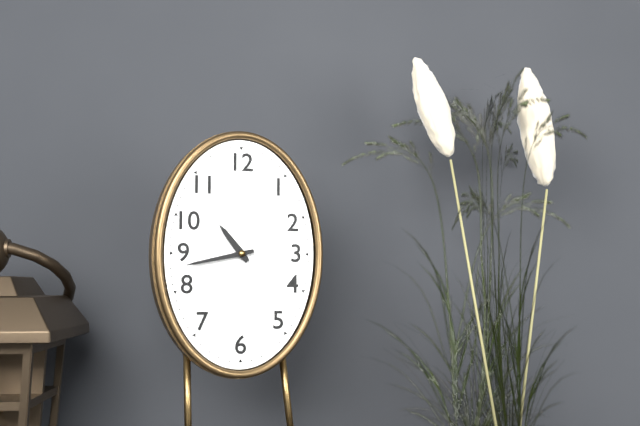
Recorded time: 10:43
